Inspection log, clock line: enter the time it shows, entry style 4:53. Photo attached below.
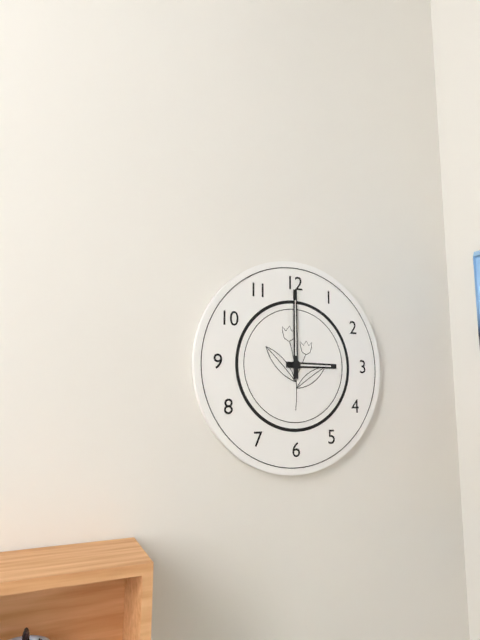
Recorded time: 3:00
